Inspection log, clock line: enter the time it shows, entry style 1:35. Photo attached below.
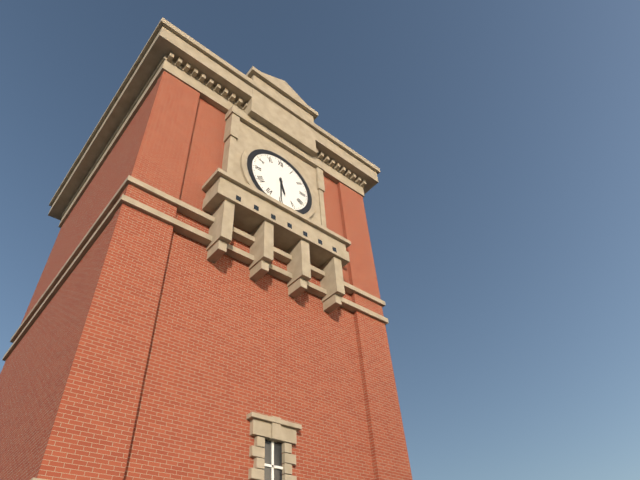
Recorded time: 5:30
